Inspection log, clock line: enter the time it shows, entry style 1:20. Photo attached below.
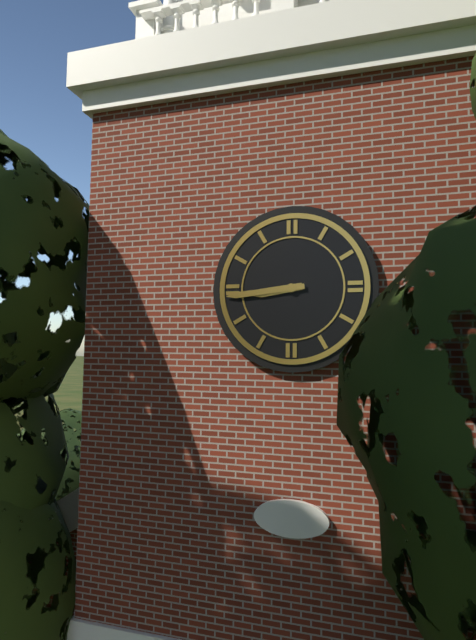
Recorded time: 8:44
